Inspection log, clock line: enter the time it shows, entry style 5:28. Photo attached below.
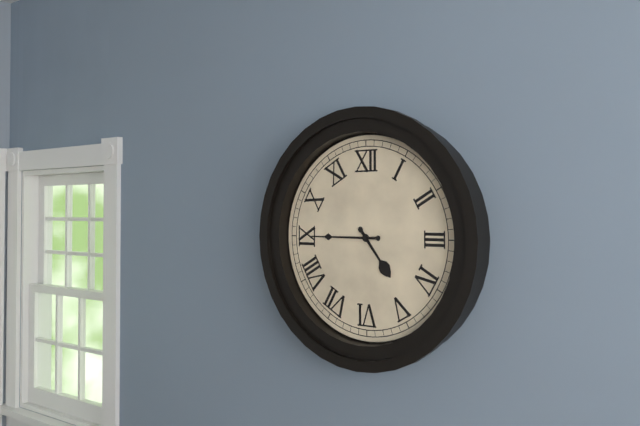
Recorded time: 4:45
